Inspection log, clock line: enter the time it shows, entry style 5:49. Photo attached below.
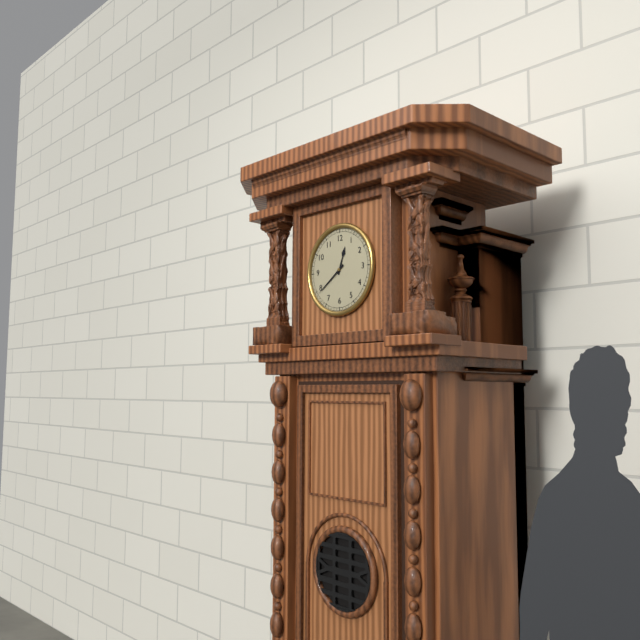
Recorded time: 12:39
